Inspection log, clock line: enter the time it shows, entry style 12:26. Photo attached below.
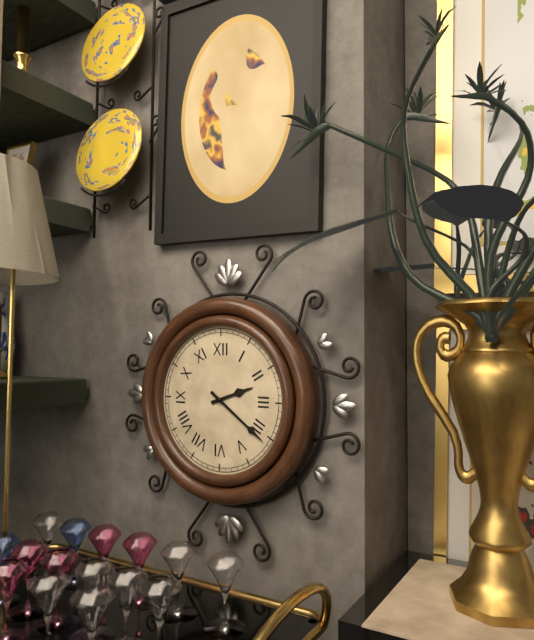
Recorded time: 2:21
